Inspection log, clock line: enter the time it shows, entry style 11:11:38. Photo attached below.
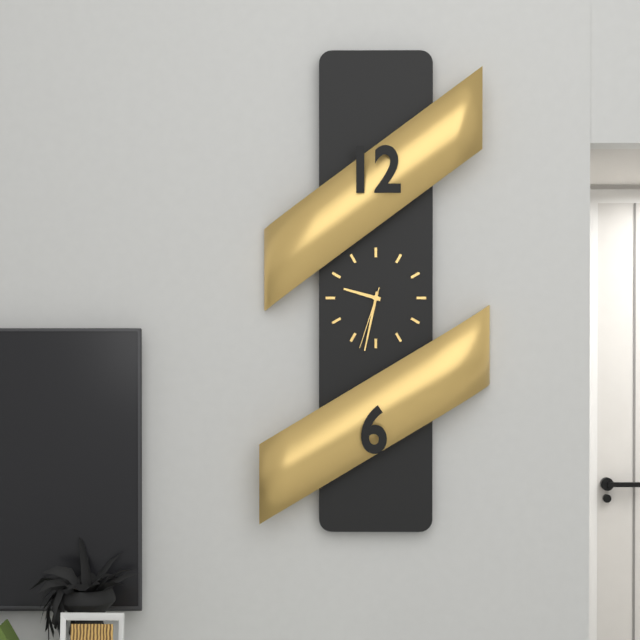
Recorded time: 9:32:33
